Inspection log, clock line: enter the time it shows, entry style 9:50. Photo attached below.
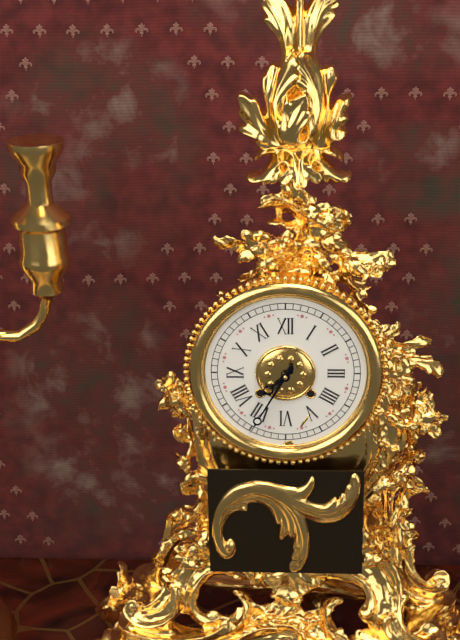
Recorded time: 7:35
